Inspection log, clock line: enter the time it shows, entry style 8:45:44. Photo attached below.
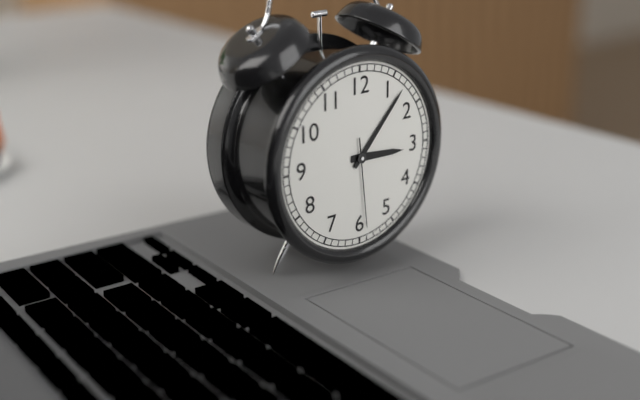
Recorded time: 3:07:29
